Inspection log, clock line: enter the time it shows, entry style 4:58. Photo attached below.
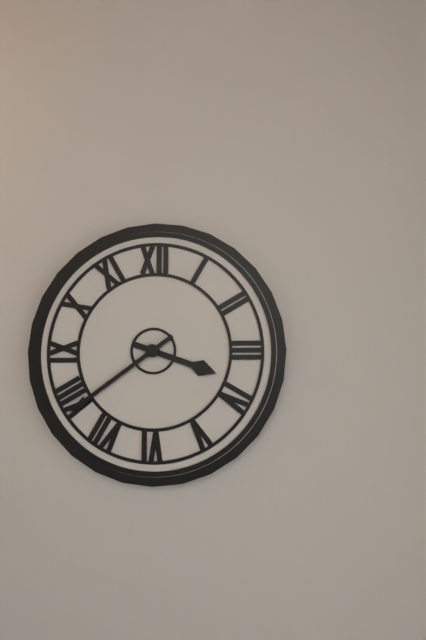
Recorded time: 3:39
